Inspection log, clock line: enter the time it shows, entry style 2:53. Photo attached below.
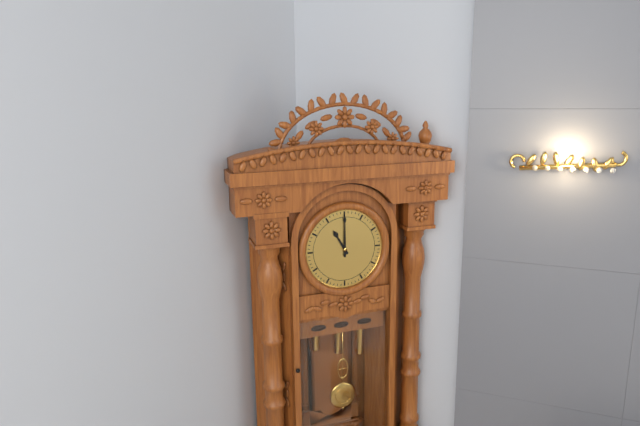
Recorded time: 11:00
